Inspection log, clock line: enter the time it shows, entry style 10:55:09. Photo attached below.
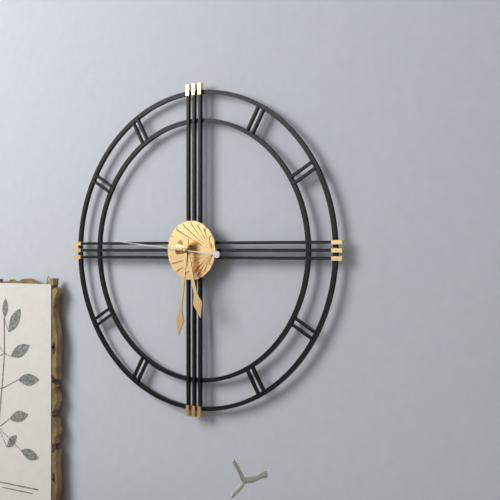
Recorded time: 5:31:46
